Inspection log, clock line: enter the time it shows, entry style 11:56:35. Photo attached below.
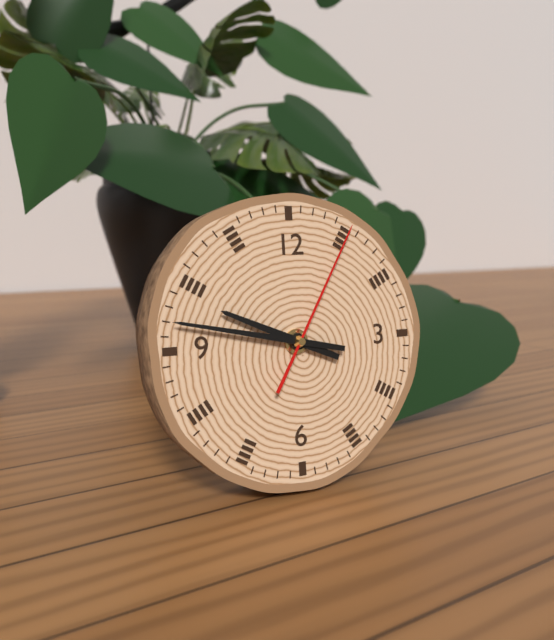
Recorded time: 9:47:05
